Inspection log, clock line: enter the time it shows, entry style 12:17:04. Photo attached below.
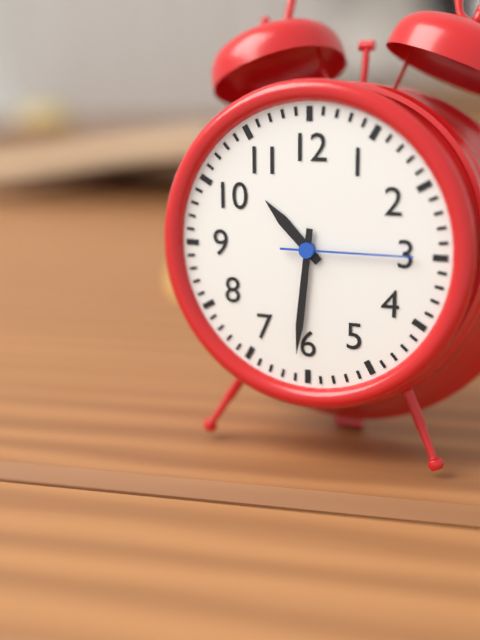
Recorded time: 10:31:15
